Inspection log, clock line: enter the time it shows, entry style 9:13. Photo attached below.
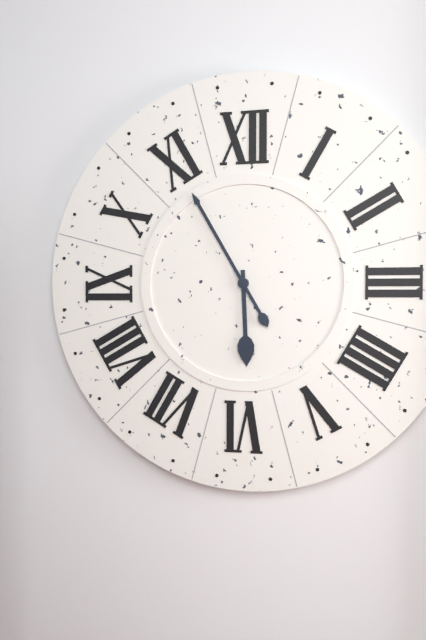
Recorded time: 5:55
